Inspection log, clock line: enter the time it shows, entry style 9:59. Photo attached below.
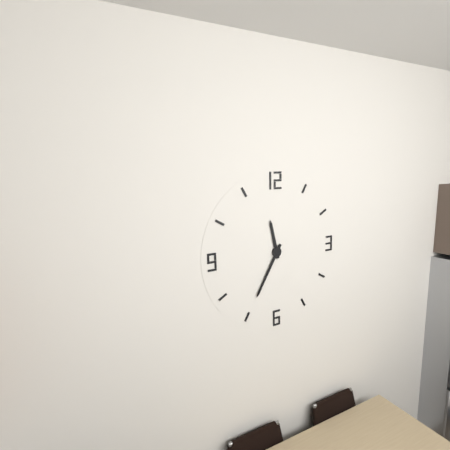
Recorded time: 11:35
